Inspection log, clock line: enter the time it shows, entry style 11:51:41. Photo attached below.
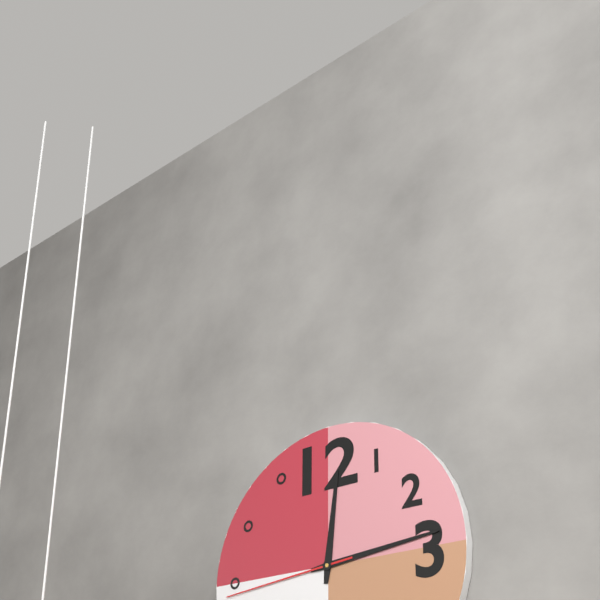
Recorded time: 12:14:44
